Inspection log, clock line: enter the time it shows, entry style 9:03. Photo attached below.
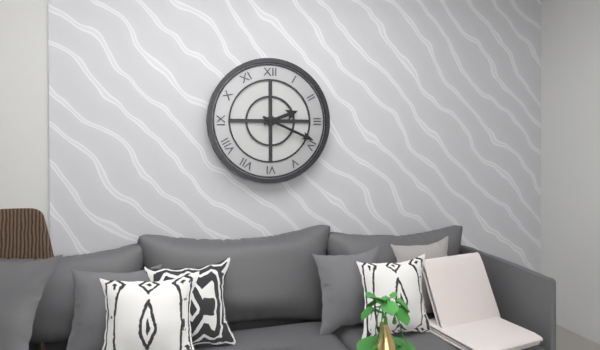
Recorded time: 2:19
